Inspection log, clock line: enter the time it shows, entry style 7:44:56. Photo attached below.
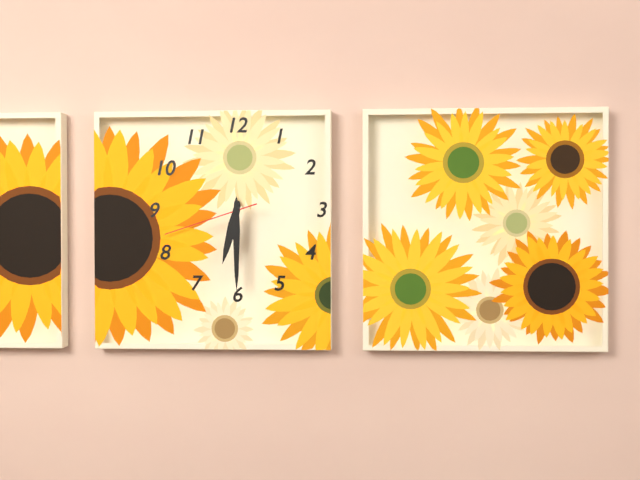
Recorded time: 6:30:42
